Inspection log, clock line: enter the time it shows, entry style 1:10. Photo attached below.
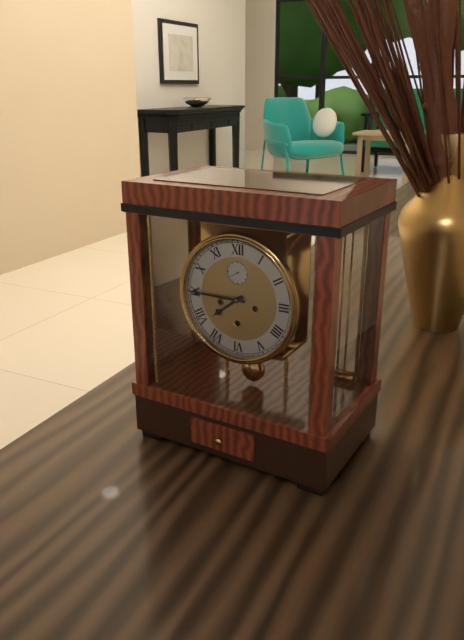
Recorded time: 7:45
